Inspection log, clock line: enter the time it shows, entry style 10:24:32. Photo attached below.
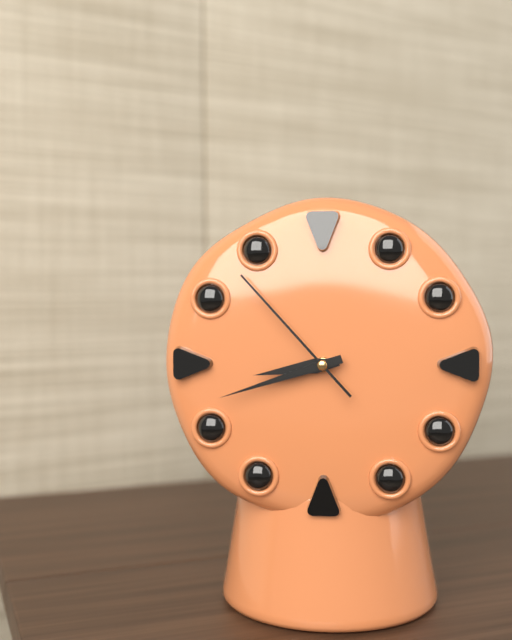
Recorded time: 8:42:53
